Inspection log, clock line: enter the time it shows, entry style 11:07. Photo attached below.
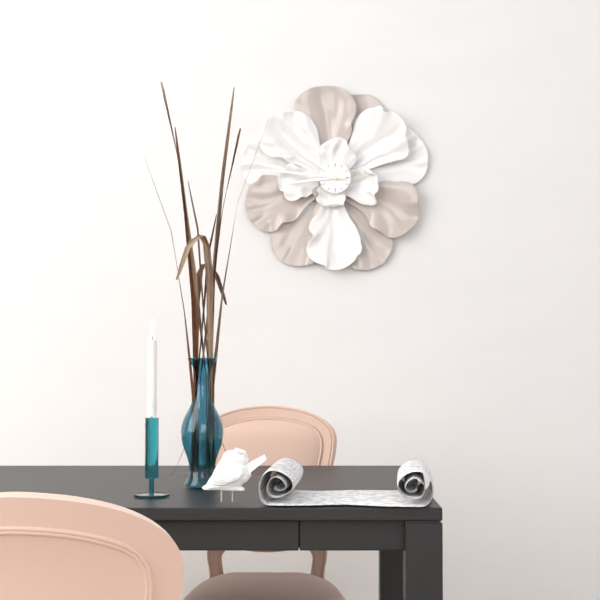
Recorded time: 8:46
